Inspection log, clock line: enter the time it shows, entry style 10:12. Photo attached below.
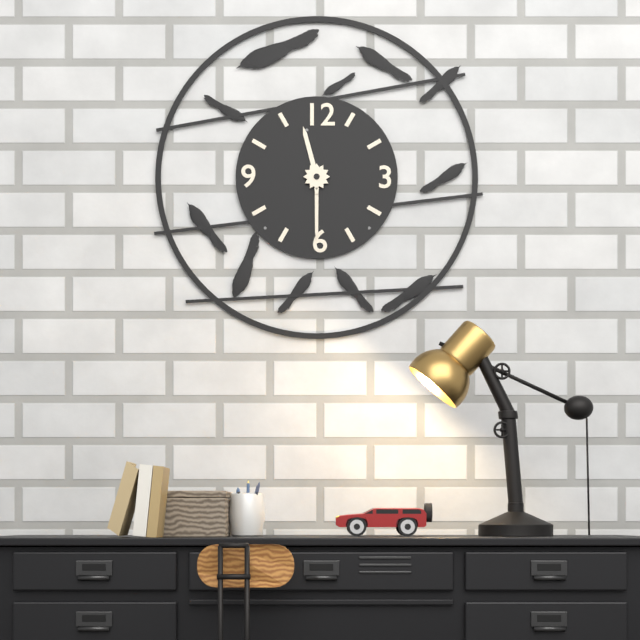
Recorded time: 11:30
